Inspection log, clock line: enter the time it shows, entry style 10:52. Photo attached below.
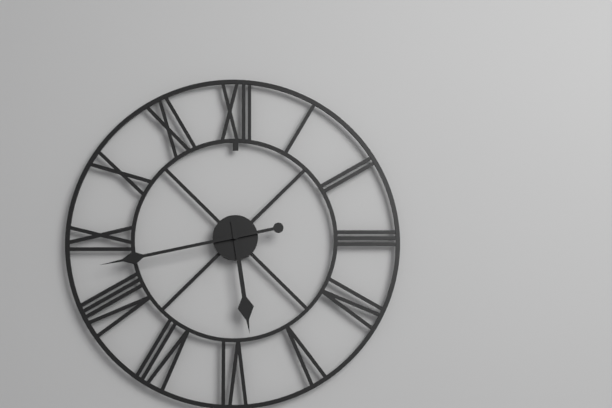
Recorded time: 5:43
